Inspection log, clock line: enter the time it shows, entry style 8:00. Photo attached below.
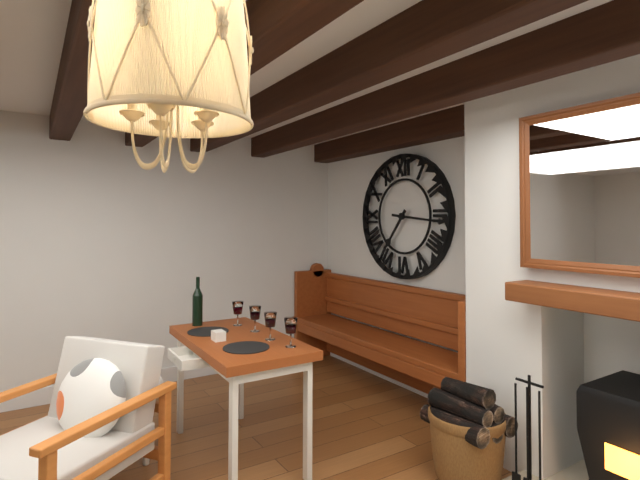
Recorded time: 7:16
